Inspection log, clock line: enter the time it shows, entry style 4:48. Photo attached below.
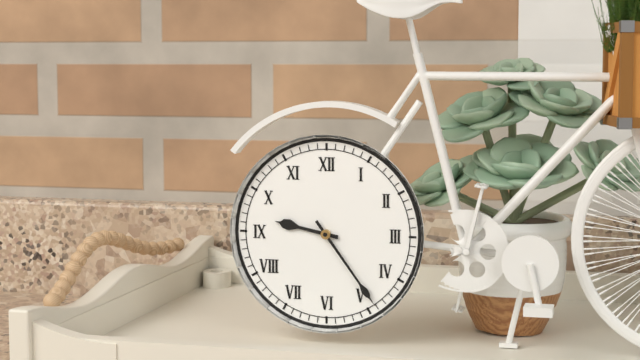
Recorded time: 9:24
